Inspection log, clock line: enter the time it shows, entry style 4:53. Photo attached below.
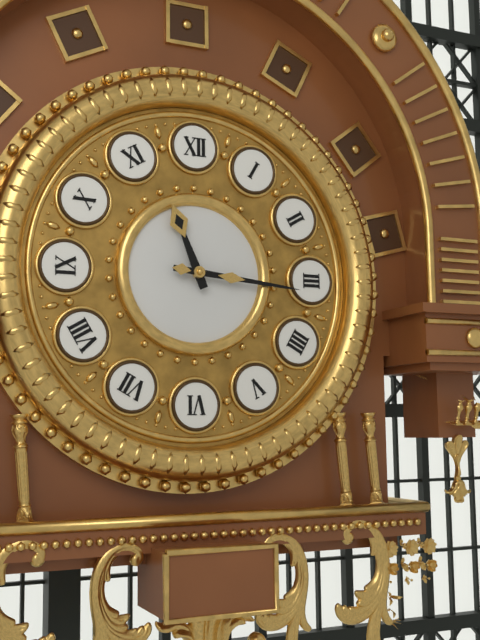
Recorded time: 11:16
